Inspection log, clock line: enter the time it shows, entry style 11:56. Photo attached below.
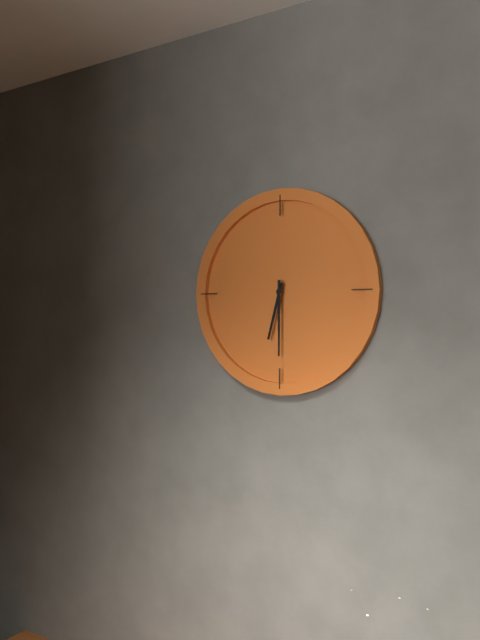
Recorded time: 6:30
